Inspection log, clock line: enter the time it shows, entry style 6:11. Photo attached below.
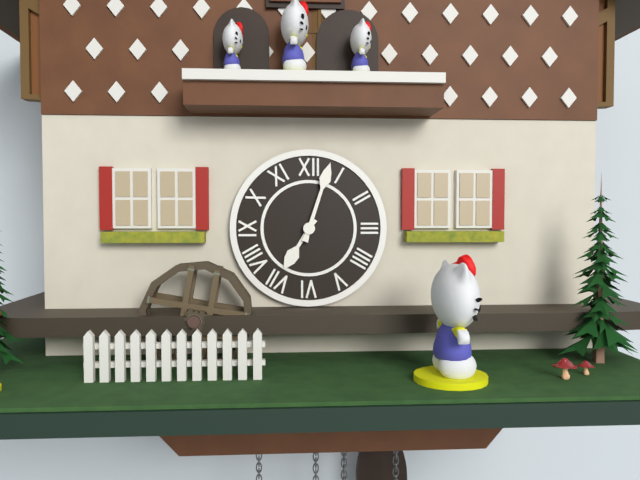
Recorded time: 7:03
